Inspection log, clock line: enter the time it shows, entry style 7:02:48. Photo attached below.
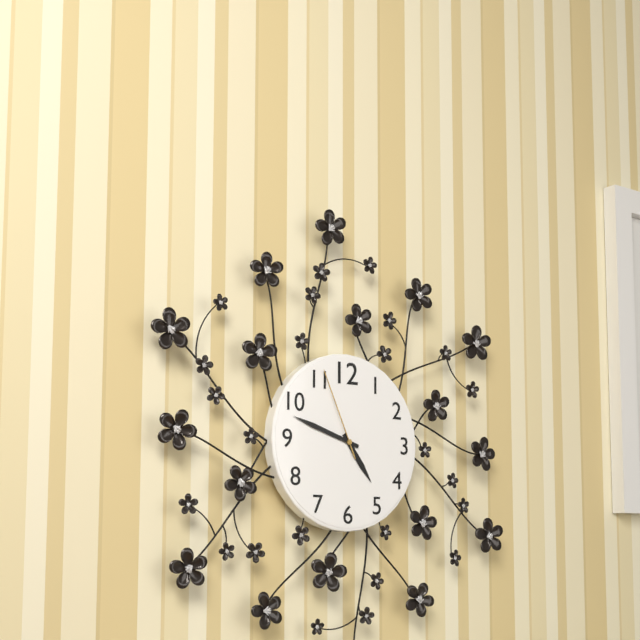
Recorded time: 4:48:56
